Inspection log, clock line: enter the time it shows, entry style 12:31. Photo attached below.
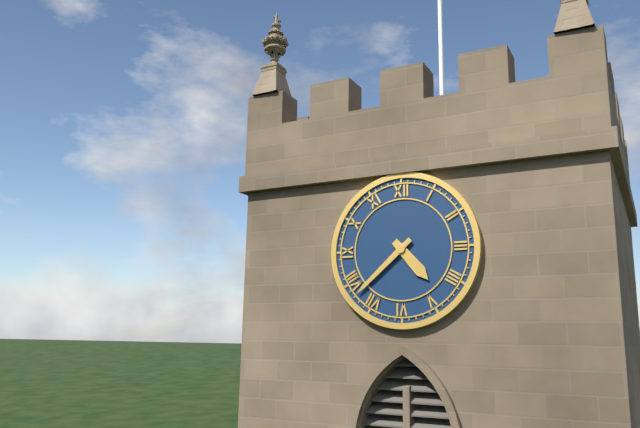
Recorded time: 4:38
